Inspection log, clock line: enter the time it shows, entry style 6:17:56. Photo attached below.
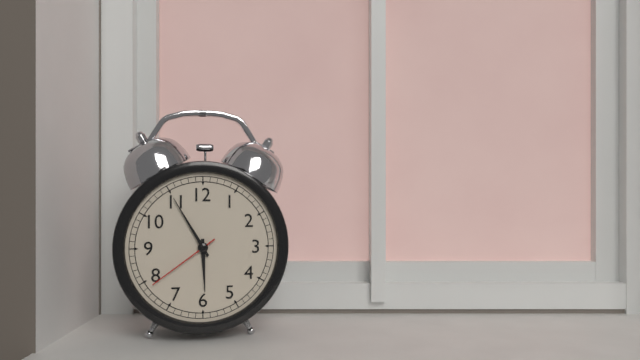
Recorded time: 5:55:39
